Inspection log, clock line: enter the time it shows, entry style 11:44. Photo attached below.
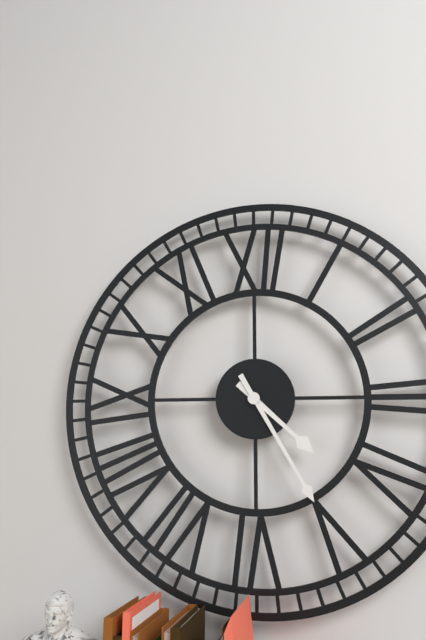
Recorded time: 4:25
